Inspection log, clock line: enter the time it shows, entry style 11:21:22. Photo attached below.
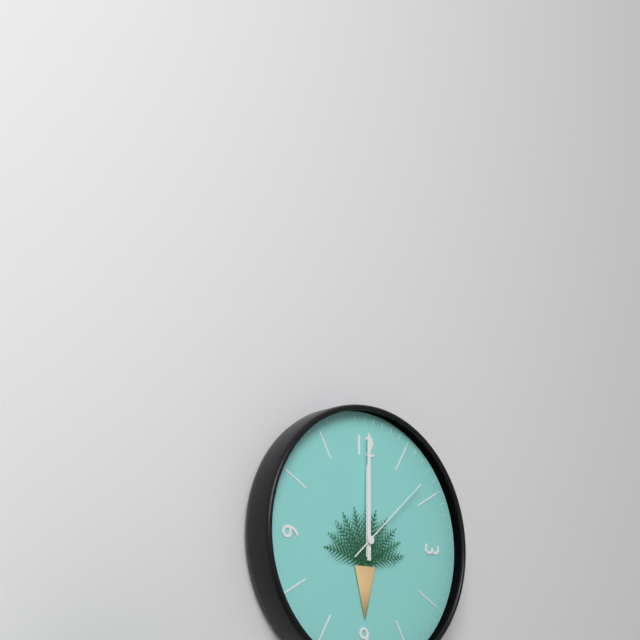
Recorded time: 12:00:08
